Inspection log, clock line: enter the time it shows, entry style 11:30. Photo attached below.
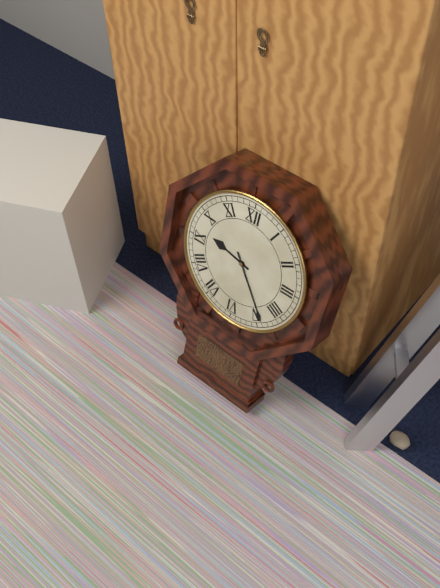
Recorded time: 9:24
